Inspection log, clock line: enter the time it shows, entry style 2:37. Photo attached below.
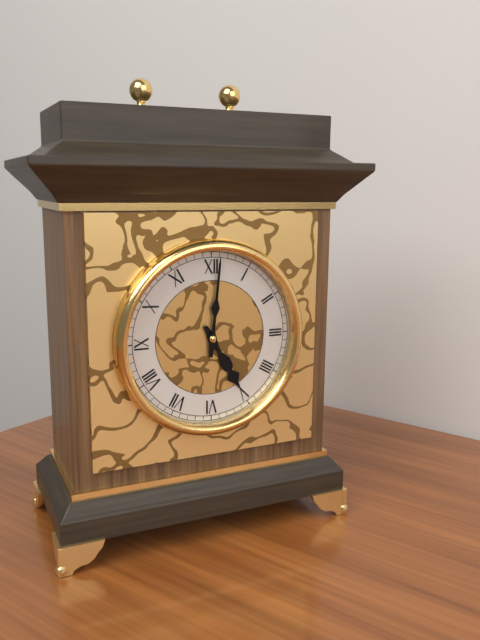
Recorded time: 5:01
